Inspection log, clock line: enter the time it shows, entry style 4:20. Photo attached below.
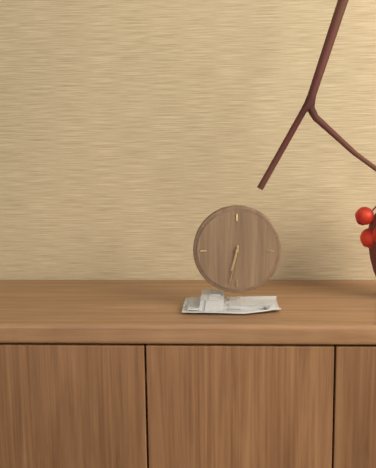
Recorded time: 6:32
